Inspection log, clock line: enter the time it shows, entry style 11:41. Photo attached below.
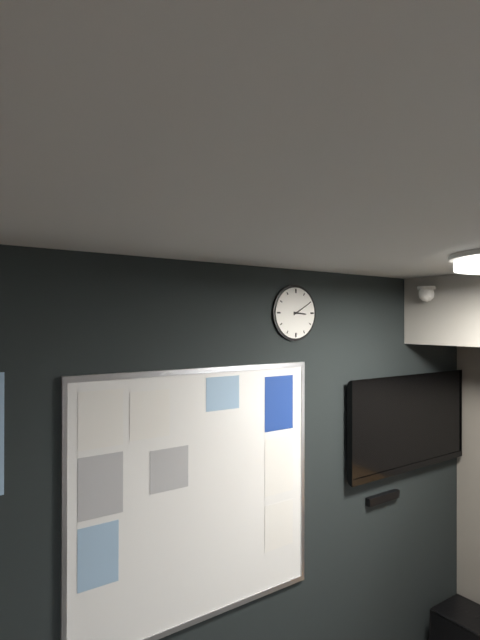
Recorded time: 3:10
